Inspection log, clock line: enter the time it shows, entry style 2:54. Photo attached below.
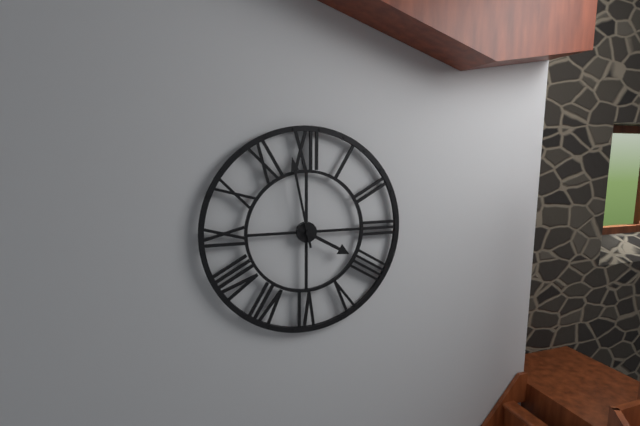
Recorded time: 3:58
